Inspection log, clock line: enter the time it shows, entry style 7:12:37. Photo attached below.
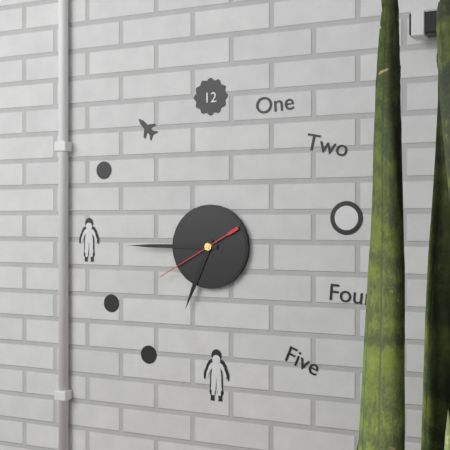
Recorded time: 6:45:40
